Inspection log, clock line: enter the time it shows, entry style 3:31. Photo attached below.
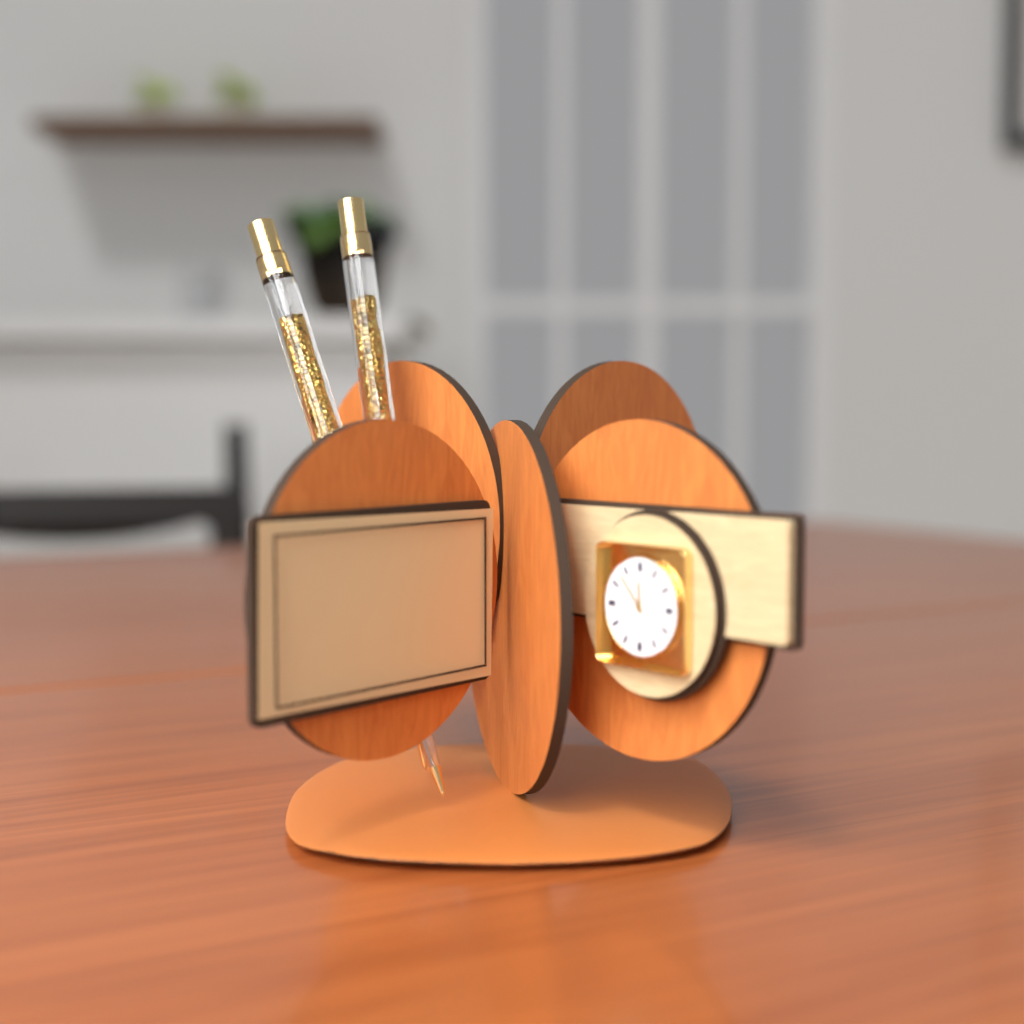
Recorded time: 11:53
